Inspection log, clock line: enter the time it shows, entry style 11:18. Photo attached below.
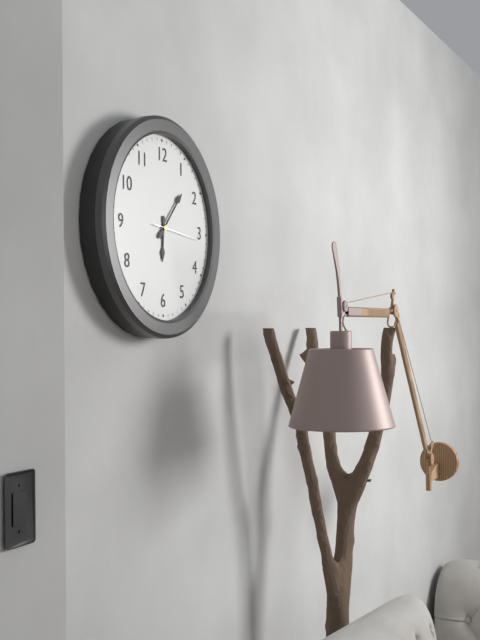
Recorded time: 6:07
